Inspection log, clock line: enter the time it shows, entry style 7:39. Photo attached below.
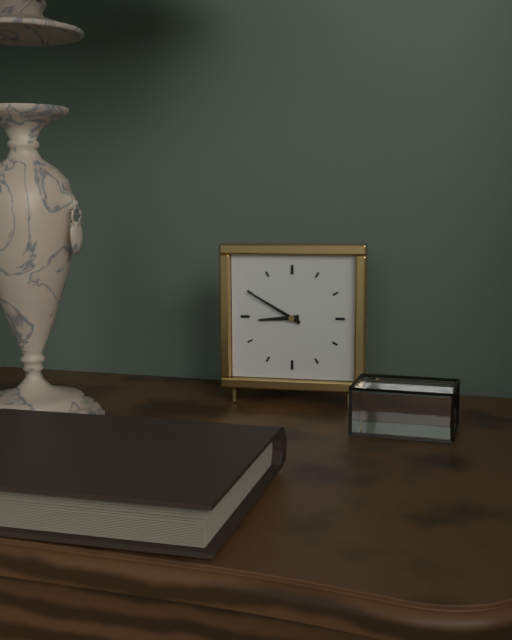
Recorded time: 8:50
